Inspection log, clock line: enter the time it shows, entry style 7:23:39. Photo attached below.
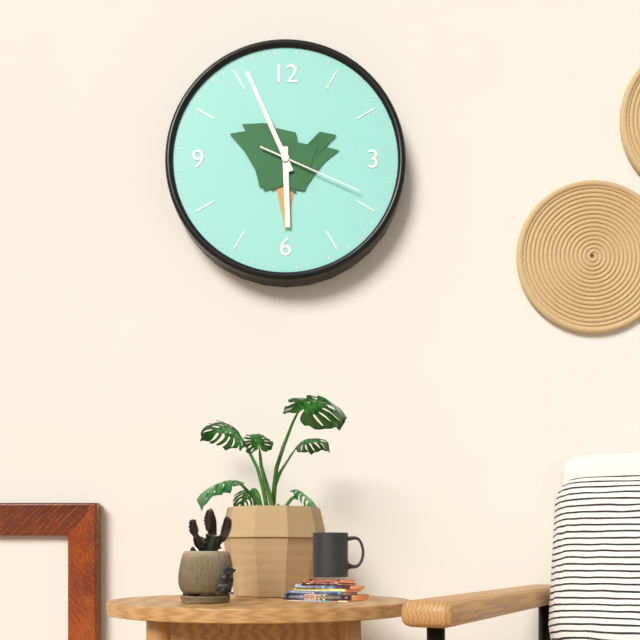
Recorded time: 5:56:19
